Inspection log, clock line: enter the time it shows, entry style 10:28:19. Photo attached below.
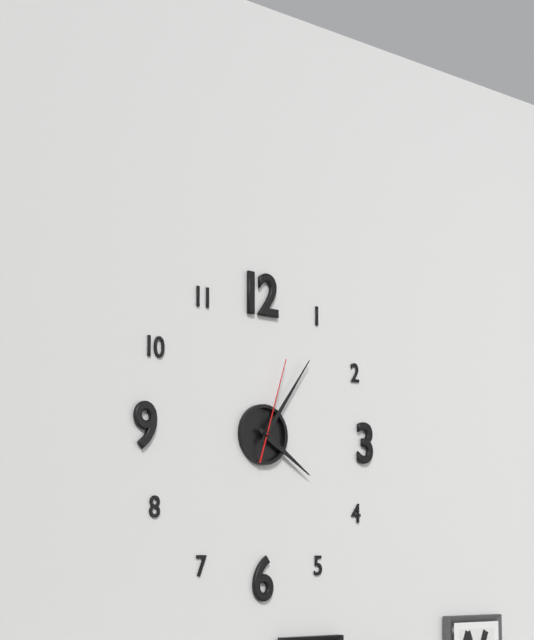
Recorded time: 4:06:03
